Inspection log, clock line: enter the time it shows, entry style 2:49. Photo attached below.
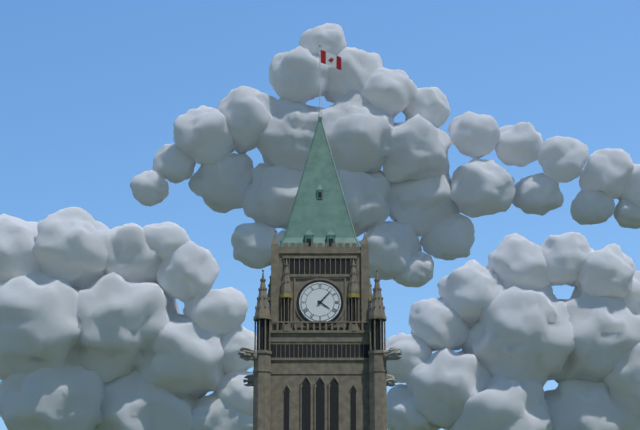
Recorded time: 4:07
